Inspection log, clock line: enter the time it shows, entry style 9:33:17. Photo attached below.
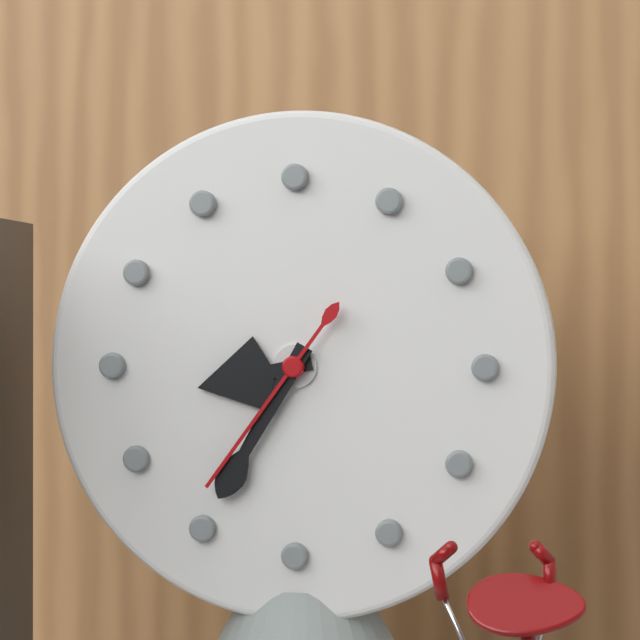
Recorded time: 8:35:36
